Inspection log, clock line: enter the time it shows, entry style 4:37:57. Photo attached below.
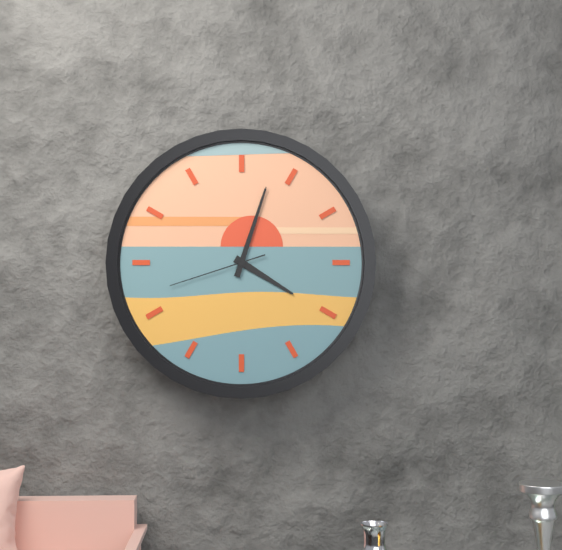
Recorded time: 4:03:42
